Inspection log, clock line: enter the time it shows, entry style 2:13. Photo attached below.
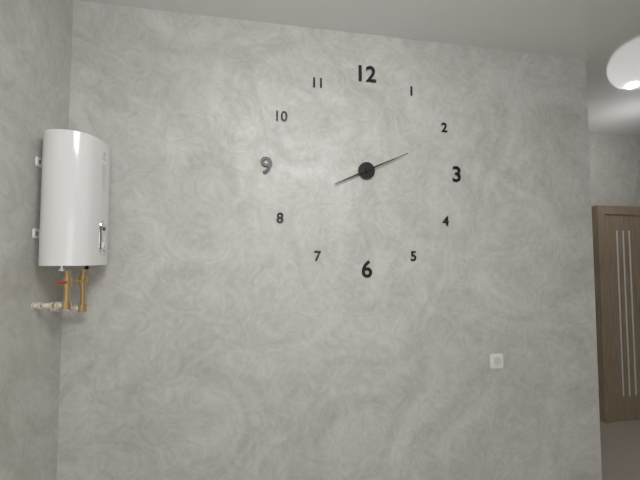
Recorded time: 8:11
